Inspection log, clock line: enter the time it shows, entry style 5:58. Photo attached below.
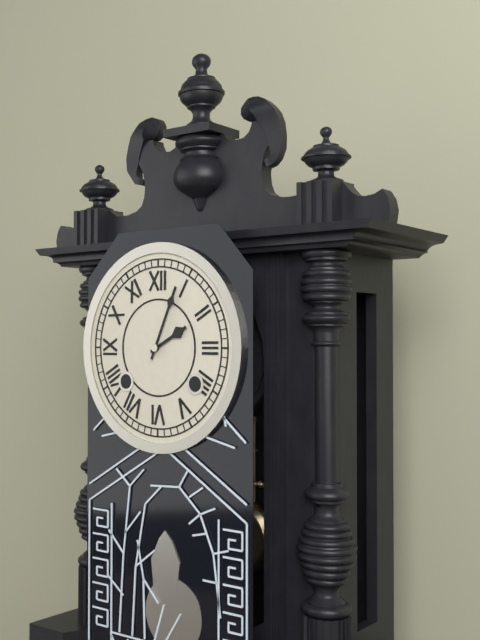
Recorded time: 2:04
